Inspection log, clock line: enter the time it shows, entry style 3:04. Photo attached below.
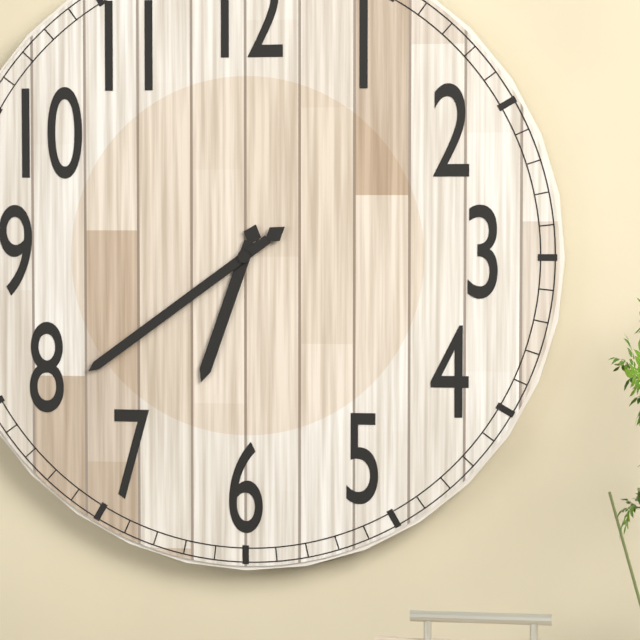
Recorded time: 6:39
